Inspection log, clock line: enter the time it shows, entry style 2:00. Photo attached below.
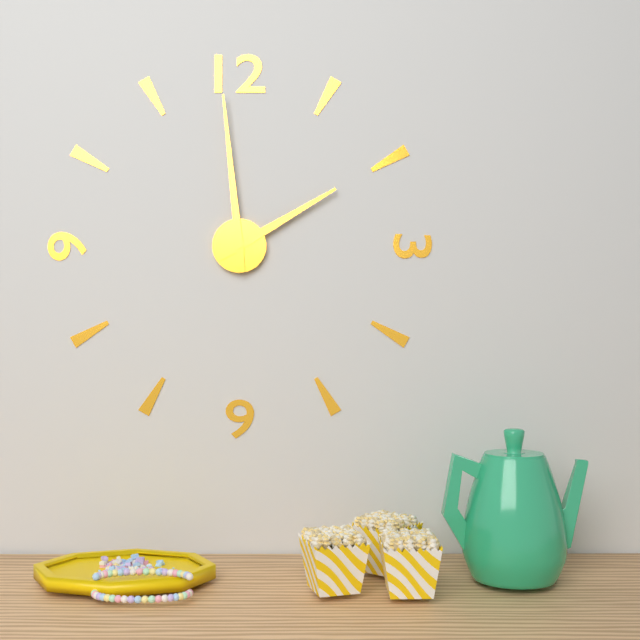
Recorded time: 1:59
